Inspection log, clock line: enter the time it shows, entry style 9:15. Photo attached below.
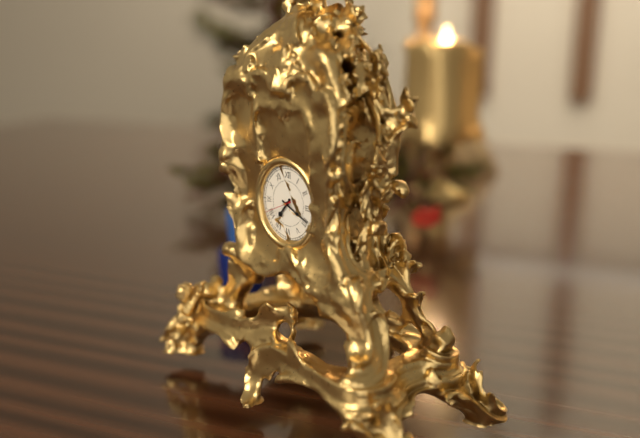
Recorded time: 7:19
